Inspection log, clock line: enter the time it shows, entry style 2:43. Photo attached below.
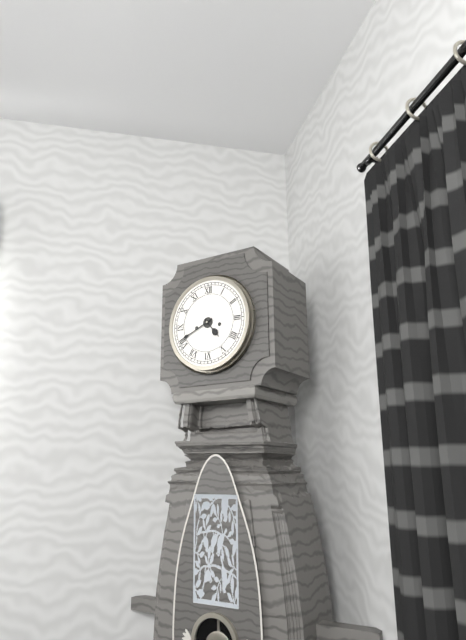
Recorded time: 4:41
